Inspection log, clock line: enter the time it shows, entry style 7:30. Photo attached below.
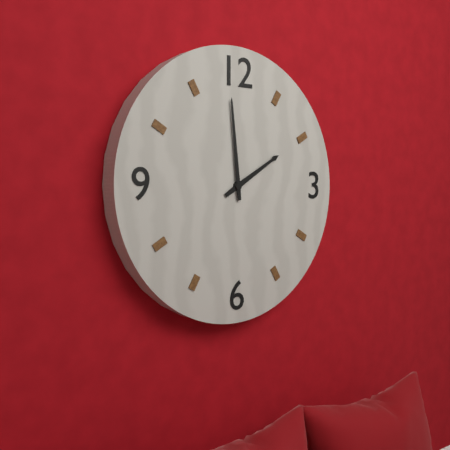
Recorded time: 1:59
